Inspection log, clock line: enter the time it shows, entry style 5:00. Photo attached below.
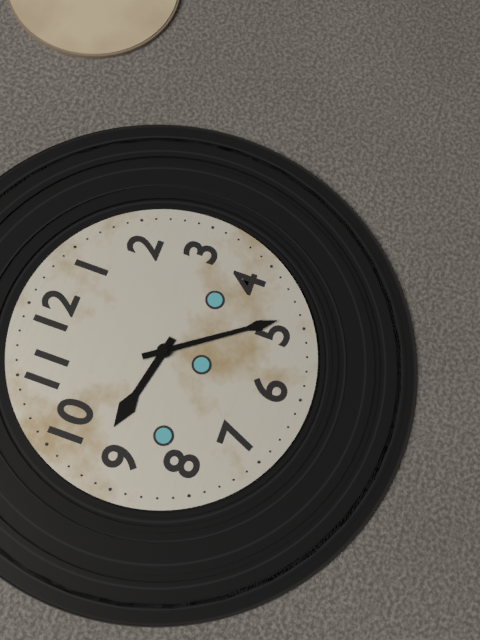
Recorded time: 9:24
